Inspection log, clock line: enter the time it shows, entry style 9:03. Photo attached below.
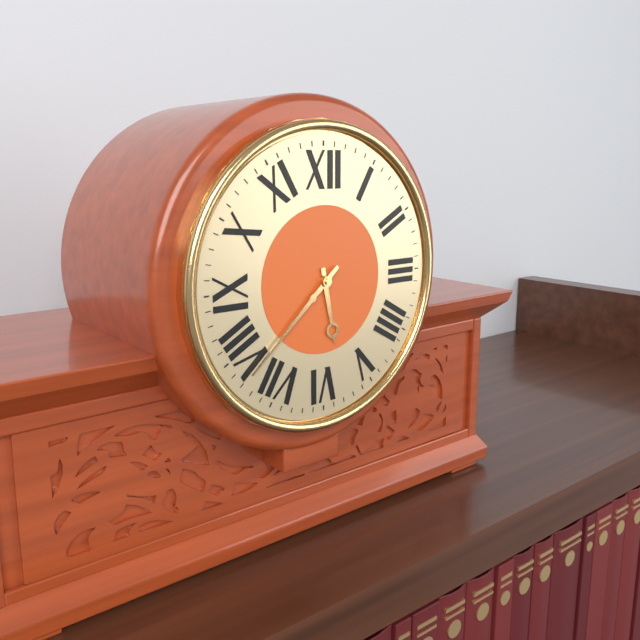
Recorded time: 5:38
